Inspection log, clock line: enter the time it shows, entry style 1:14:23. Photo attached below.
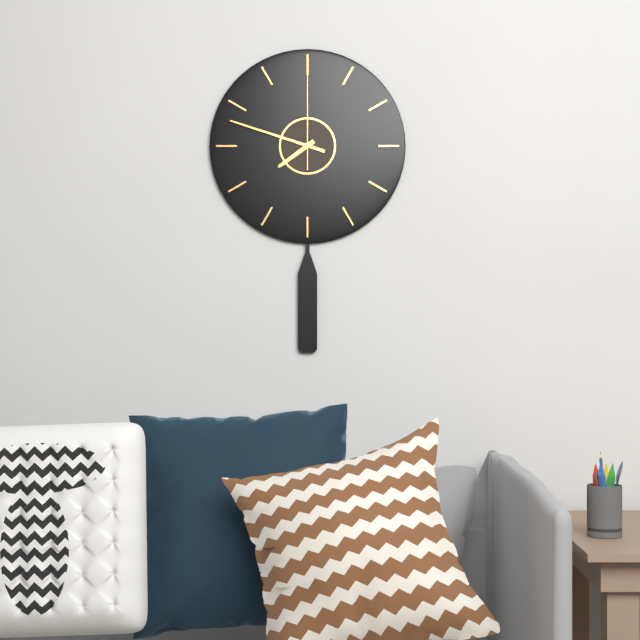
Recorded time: 7:48:00
